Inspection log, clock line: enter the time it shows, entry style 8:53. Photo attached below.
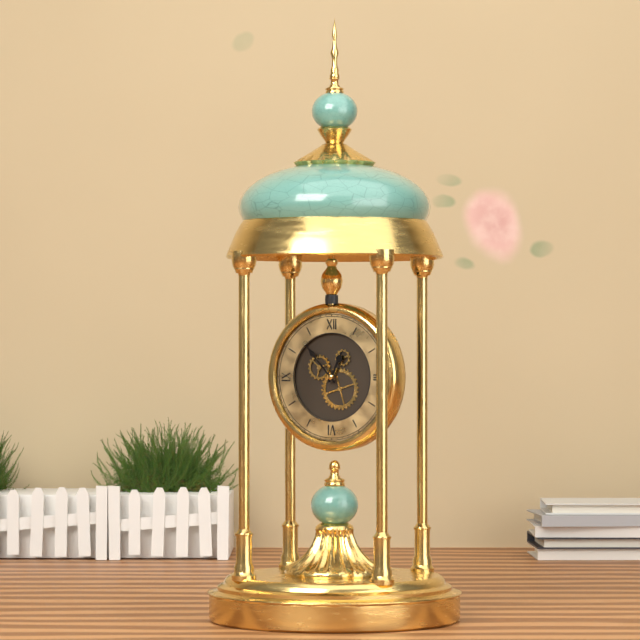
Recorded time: 12:53
